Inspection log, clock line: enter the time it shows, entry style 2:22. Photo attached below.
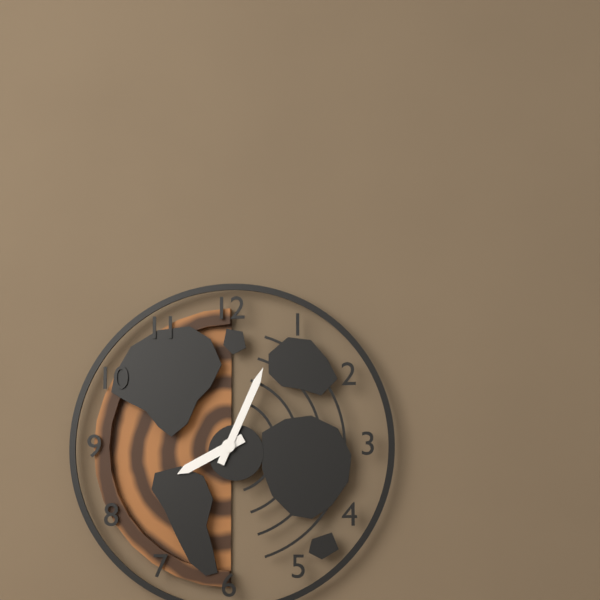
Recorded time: 8:04
